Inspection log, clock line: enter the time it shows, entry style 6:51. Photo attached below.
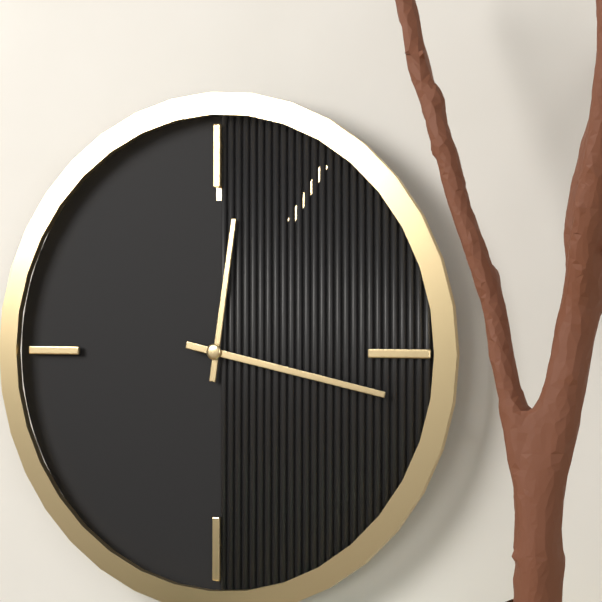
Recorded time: 12:17
